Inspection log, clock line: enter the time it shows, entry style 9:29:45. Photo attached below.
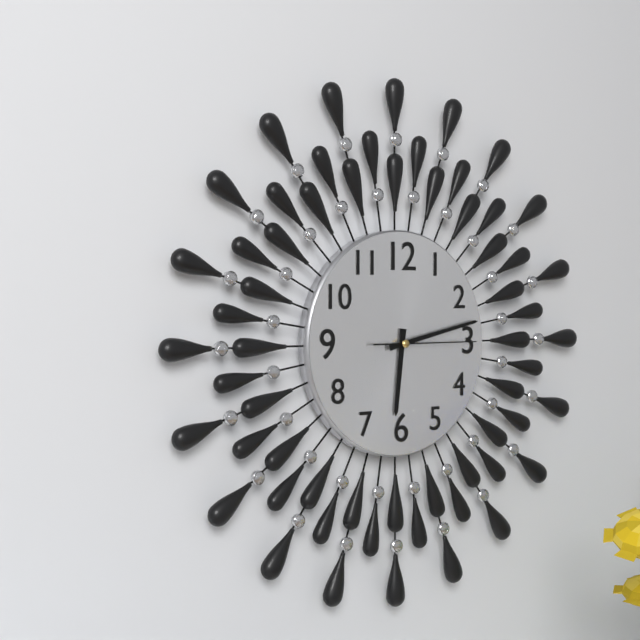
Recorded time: 6:13:15
